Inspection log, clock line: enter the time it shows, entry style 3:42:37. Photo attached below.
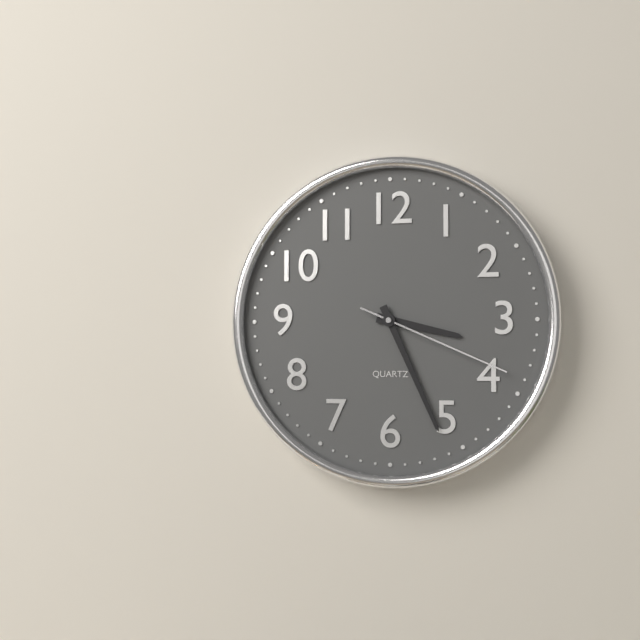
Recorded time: 3:26:19
